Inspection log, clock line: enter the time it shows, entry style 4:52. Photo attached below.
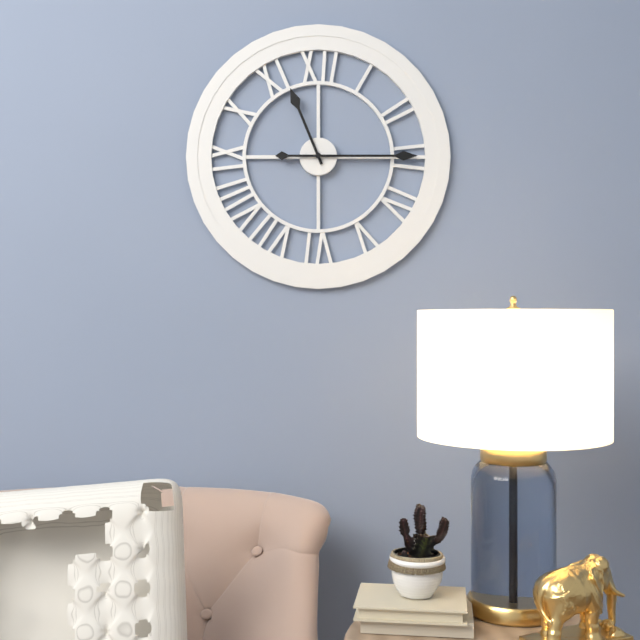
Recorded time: 11:15
